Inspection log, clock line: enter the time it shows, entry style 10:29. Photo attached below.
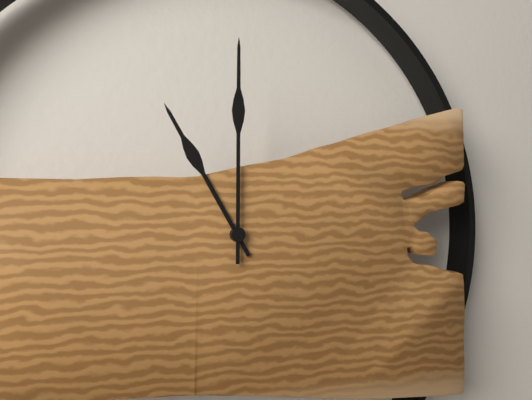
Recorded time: 11:00
